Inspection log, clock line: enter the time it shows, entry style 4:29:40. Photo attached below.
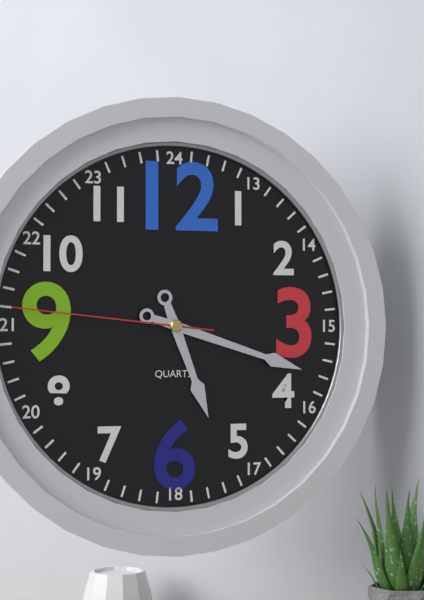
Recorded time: 5:18:46
